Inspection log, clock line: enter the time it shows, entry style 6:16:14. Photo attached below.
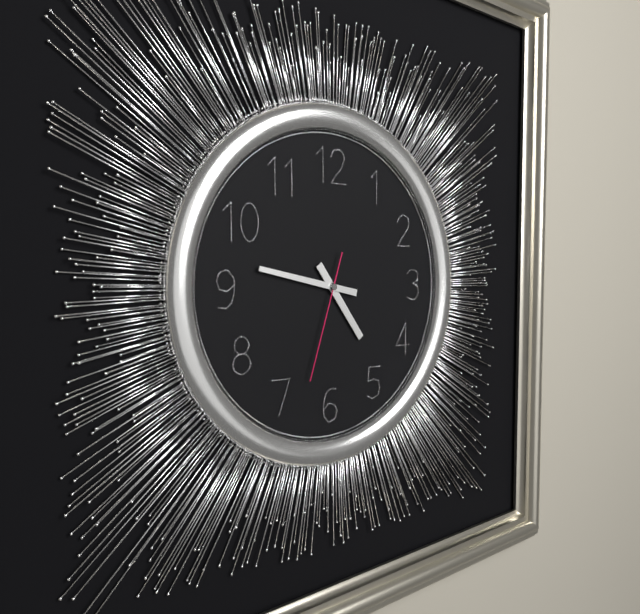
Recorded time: 4:47:33
